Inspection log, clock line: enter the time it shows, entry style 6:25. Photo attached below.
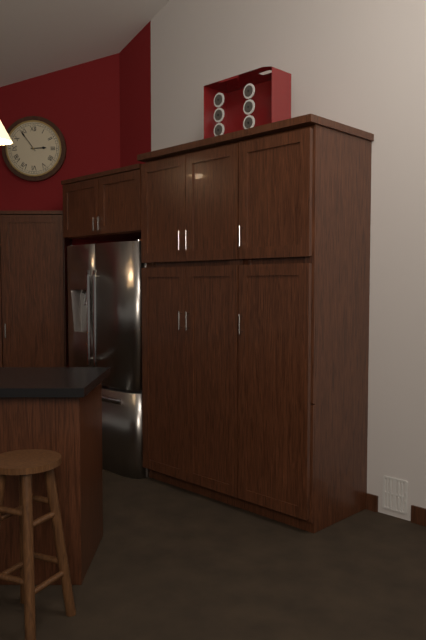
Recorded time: 2:54
